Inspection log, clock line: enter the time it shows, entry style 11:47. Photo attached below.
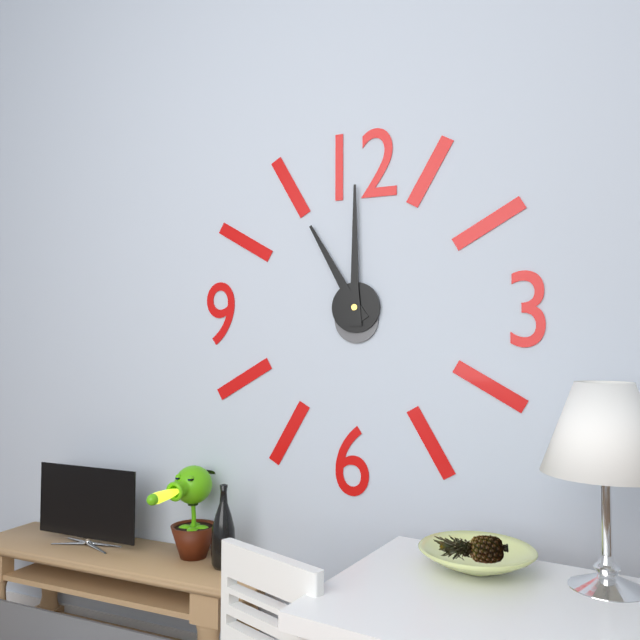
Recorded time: 11:00
